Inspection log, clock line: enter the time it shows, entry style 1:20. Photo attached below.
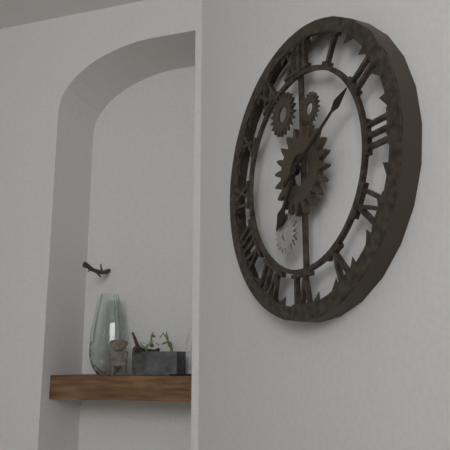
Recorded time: 7:10
